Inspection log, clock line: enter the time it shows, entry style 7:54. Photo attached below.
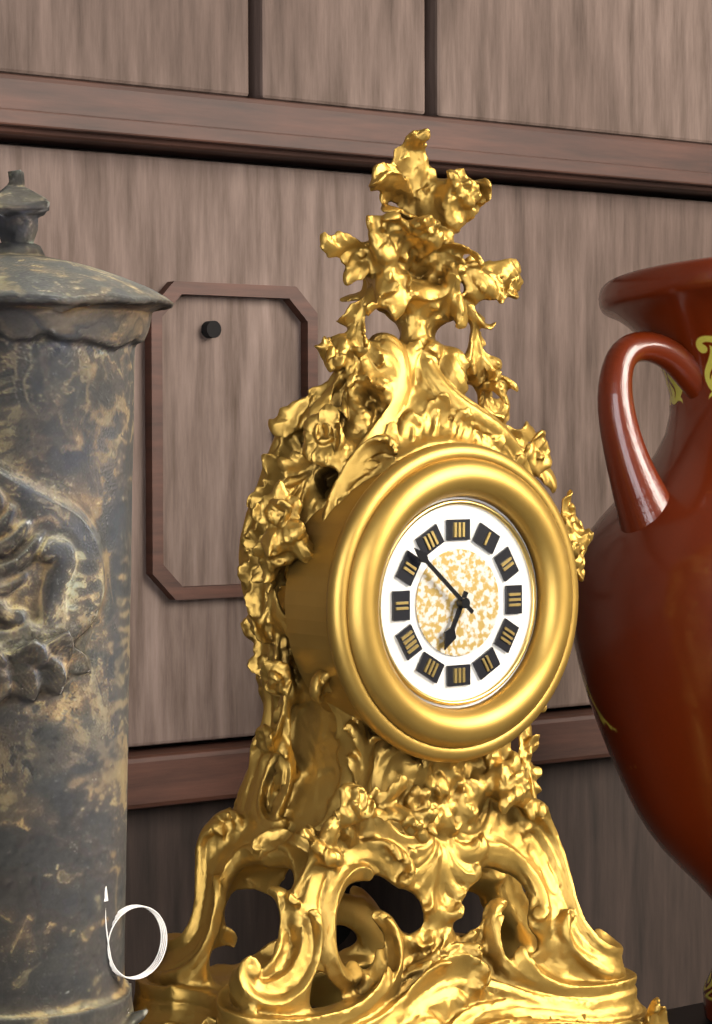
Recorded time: 6:52
